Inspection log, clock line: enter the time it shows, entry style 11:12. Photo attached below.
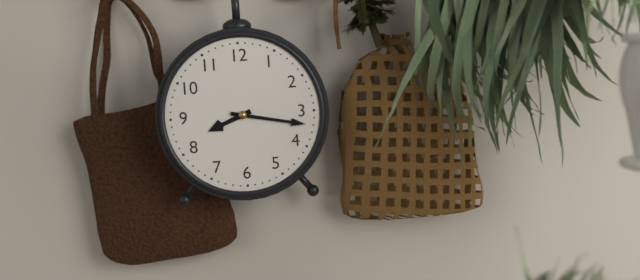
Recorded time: 8:17
